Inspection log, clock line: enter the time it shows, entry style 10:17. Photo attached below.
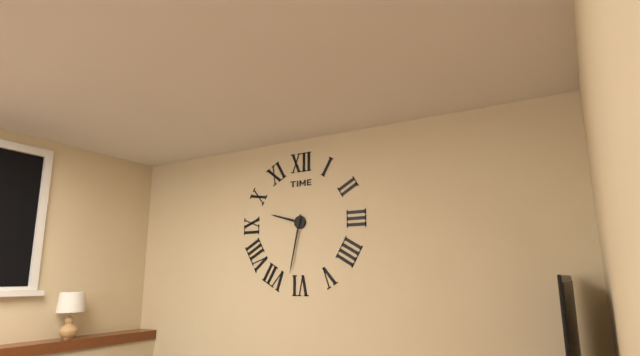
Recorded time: 9:32
